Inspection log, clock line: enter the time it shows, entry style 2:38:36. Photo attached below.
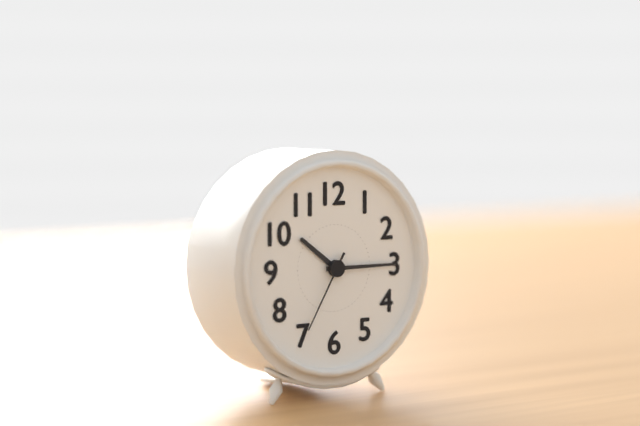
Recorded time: 10:15:35
